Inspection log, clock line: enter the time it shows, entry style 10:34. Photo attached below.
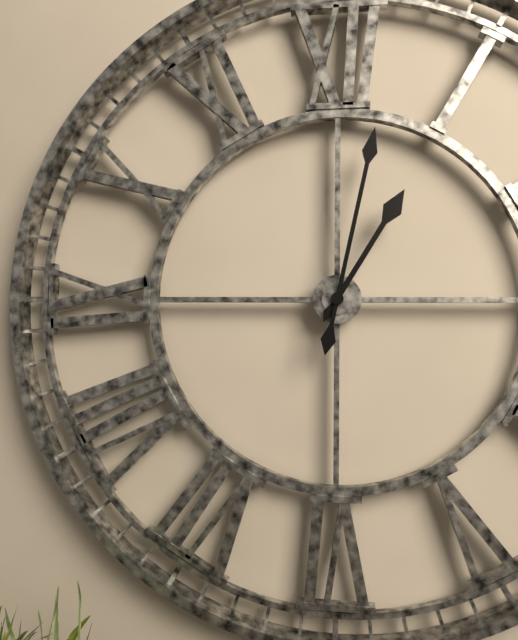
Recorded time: 1:02
